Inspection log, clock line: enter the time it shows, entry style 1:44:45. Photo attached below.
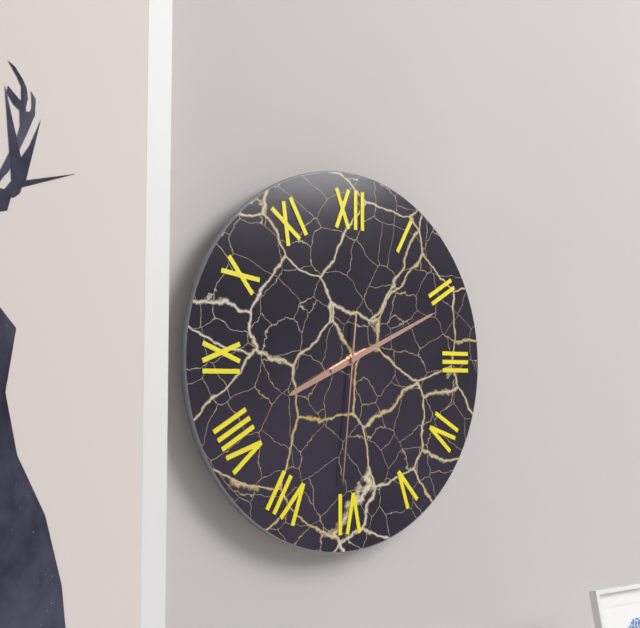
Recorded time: 8:11:31
